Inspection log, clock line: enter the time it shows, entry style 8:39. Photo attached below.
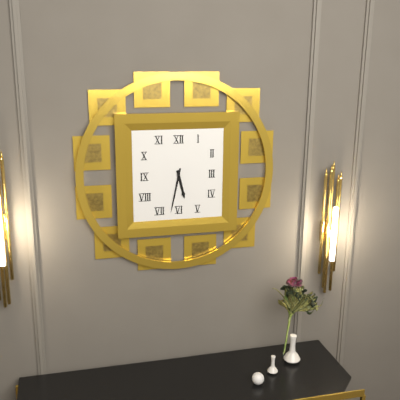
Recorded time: 5:32
